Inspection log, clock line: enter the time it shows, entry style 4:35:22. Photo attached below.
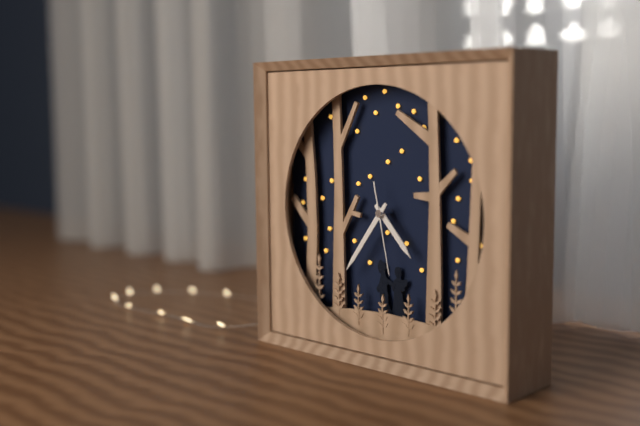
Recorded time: 4:36:28
